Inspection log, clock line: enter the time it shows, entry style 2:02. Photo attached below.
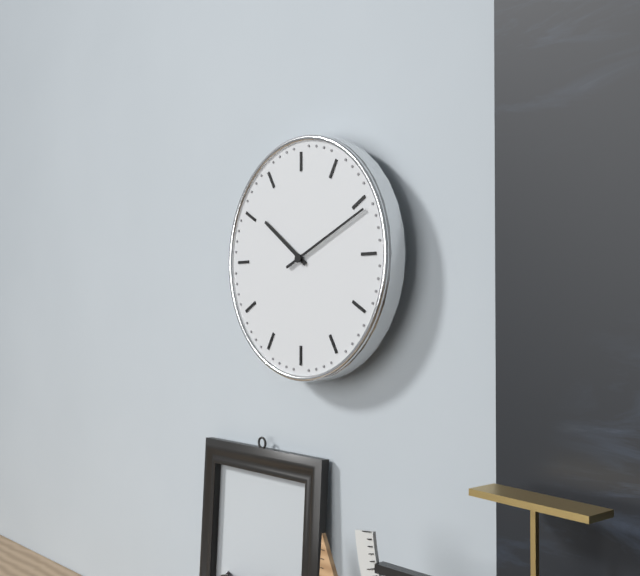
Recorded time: 10:11
